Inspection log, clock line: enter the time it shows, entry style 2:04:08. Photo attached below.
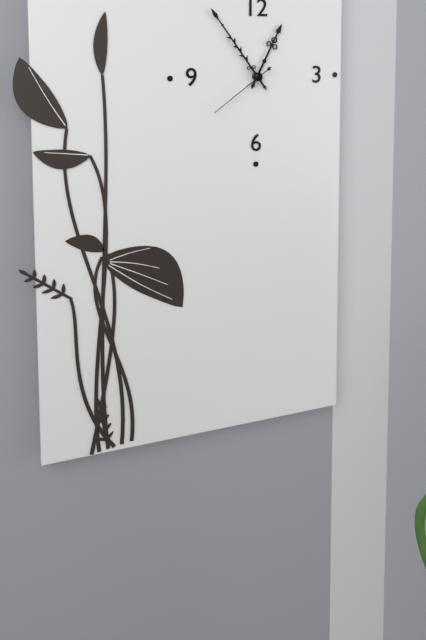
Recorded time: 12:54:39
